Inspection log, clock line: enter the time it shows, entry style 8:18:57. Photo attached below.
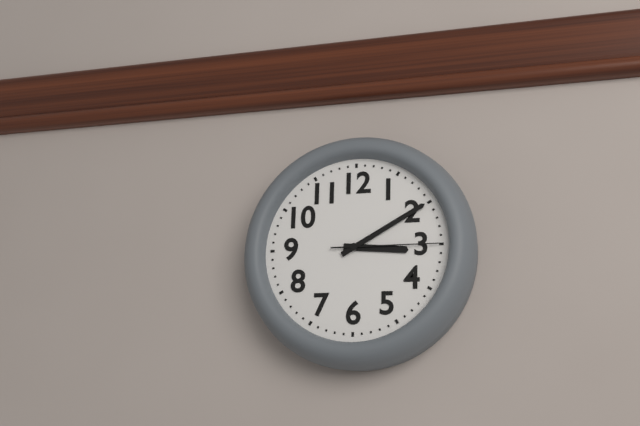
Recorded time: 3:10:15
